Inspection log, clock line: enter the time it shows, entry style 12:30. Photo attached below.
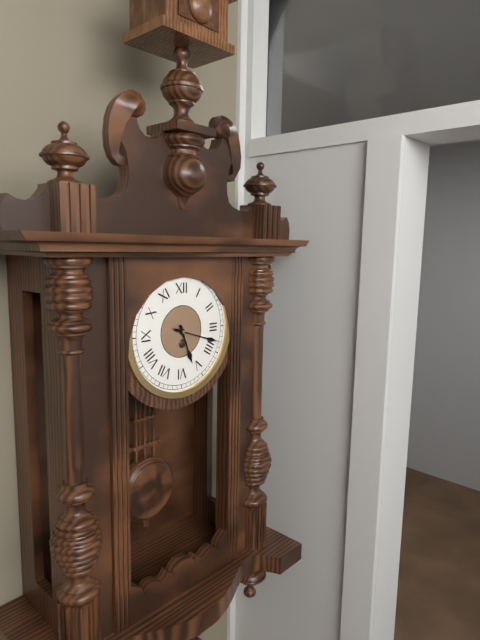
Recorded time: 5:18
